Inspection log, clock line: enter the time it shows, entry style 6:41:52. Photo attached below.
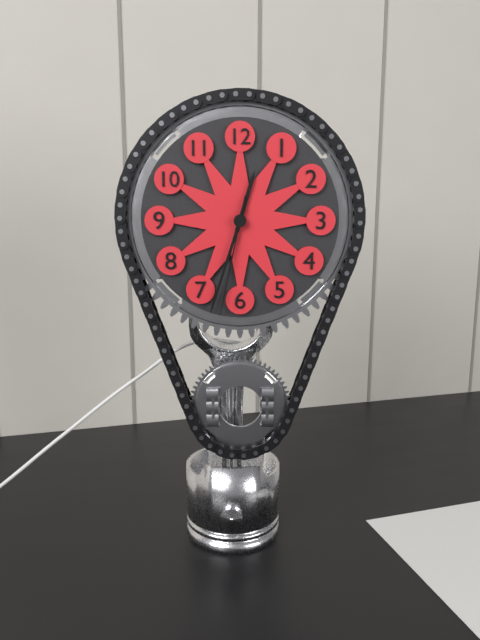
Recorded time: 12:33:32
